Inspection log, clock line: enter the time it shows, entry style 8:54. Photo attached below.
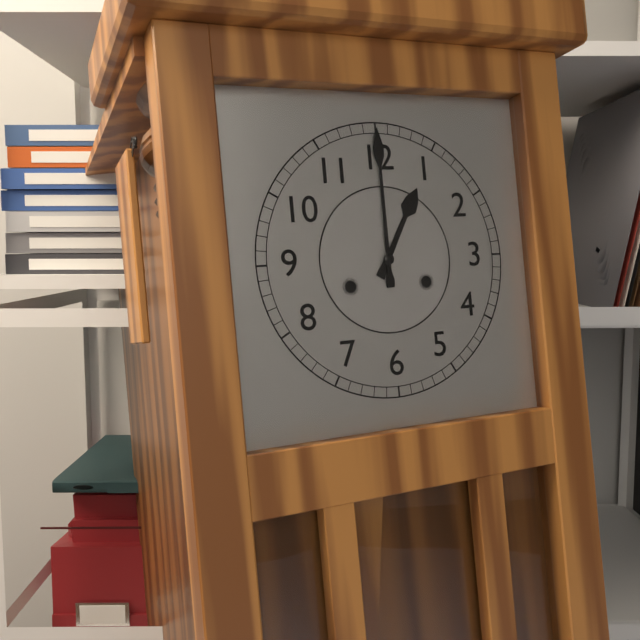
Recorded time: 1:00
